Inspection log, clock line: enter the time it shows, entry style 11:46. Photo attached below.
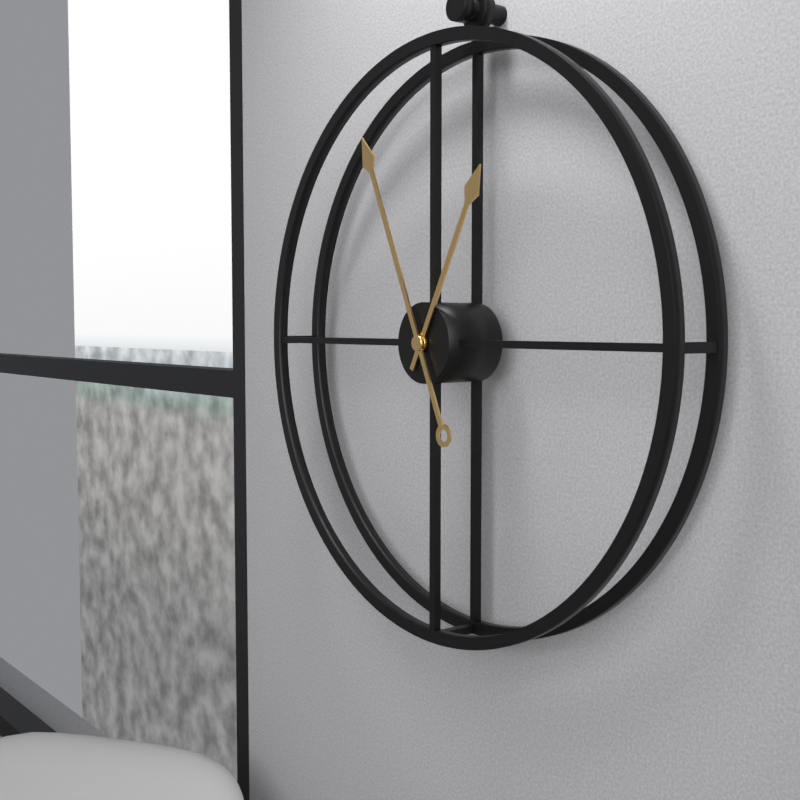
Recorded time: 12:56
